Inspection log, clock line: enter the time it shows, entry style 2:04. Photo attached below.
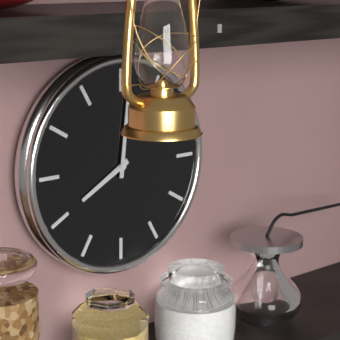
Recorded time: 8:01
